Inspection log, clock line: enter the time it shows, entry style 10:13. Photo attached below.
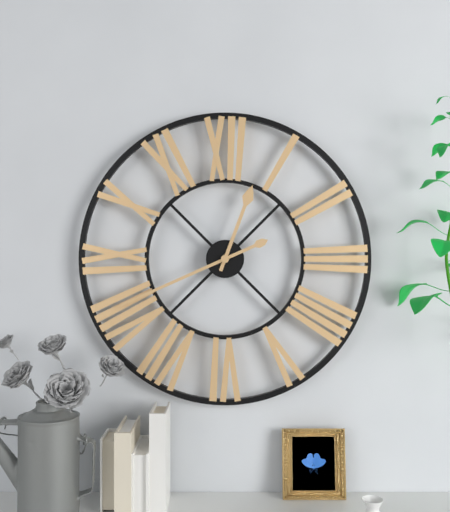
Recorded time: 12:41
